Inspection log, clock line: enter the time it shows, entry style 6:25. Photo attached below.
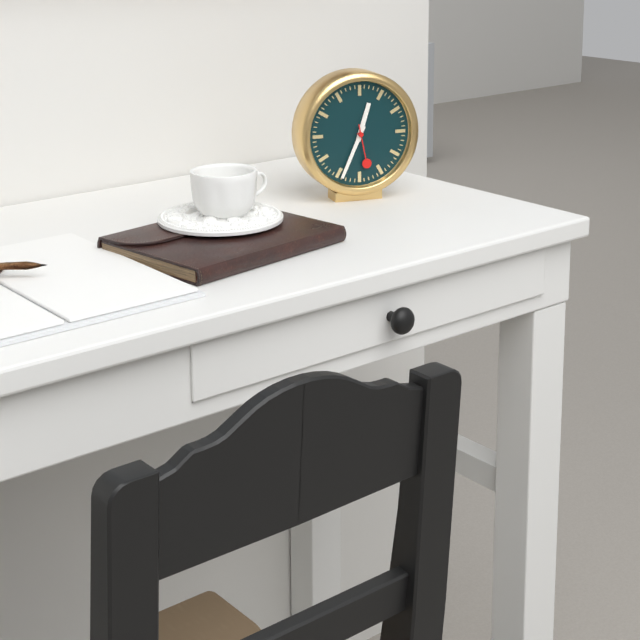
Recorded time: 12:34
